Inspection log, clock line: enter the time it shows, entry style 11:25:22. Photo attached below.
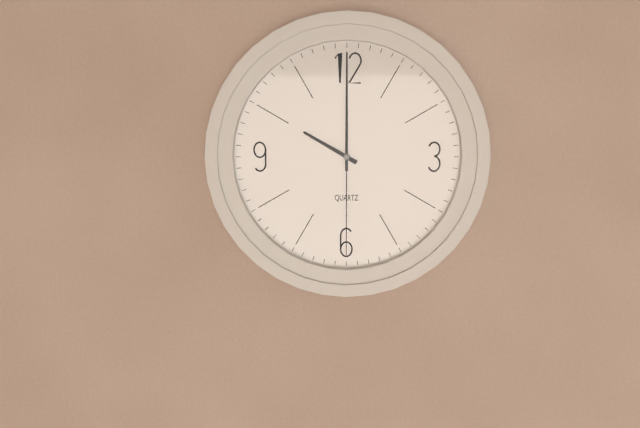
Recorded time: 10:00:30
